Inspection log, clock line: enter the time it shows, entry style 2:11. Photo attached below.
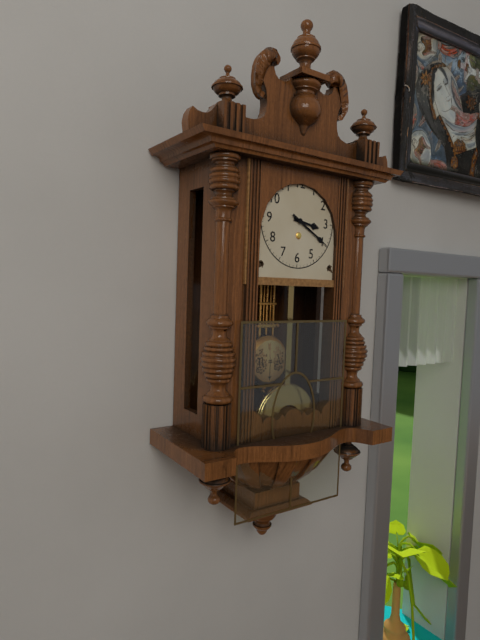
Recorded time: 3:20
